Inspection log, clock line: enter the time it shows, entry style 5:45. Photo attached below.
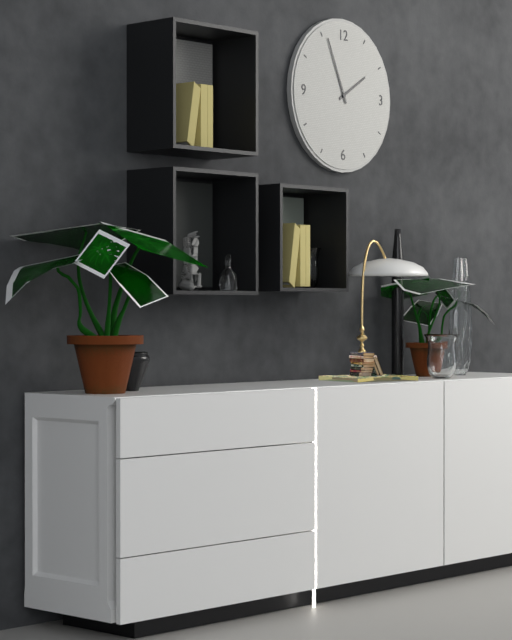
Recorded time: 1:56
